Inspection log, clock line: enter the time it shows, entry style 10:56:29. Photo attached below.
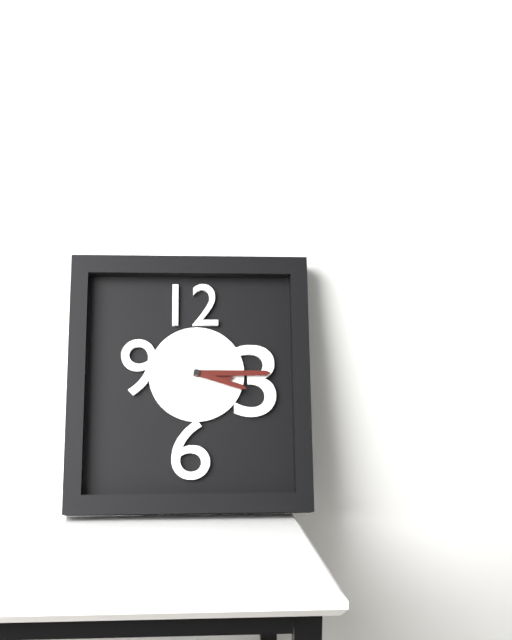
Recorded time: 3:15:18
